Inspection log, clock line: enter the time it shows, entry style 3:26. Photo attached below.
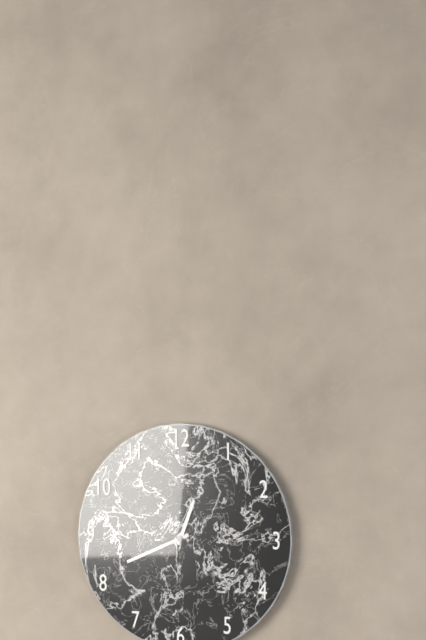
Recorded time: 12:41
